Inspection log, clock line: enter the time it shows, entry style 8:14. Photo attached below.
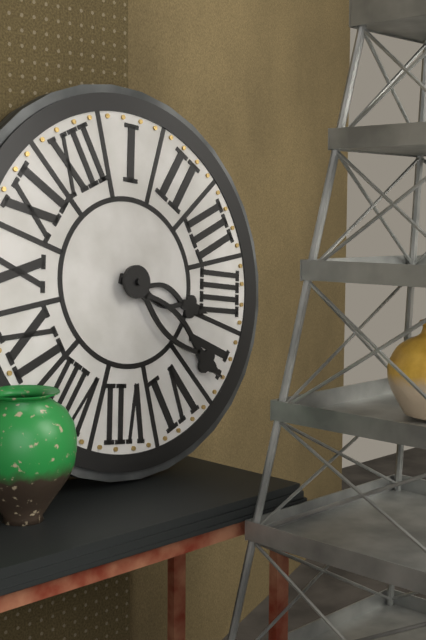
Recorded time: 4:26
